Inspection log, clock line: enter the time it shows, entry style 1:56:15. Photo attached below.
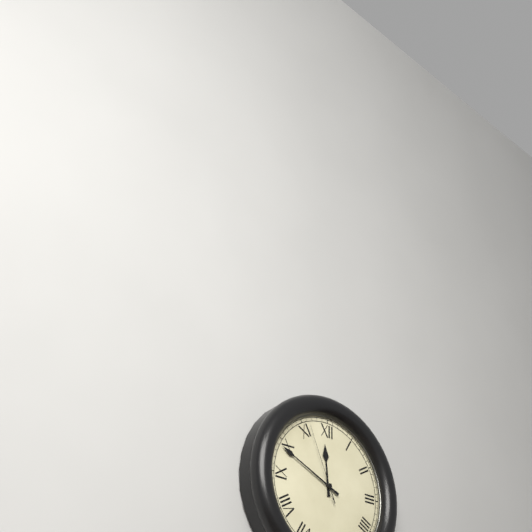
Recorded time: 11:49:56
